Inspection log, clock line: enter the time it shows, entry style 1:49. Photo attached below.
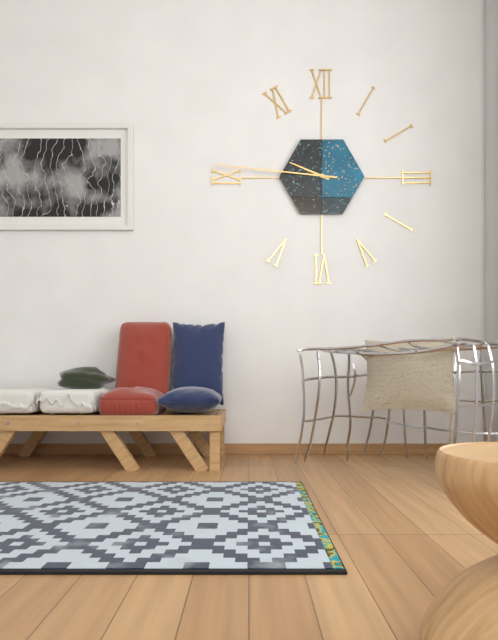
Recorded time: 9:46
